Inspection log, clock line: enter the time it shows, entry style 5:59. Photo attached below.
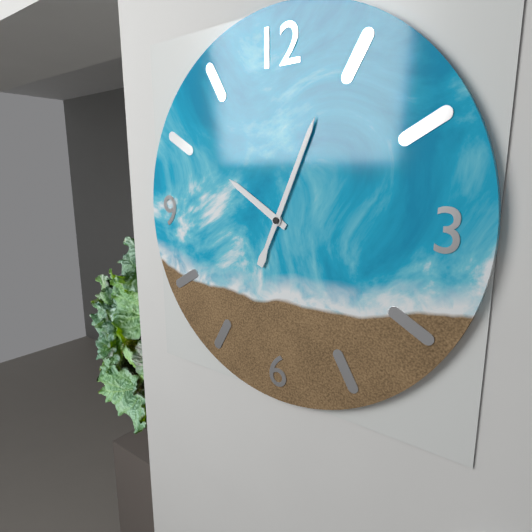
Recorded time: 10:04
